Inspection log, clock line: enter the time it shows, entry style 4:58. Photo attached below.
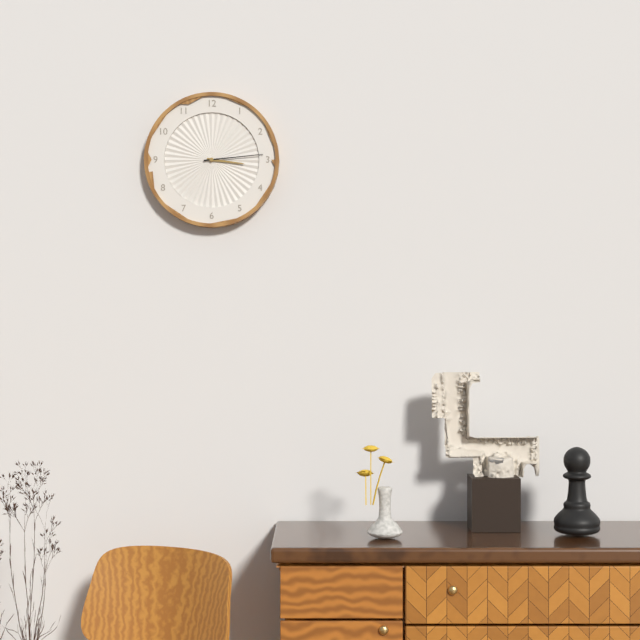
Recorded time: 3:14
